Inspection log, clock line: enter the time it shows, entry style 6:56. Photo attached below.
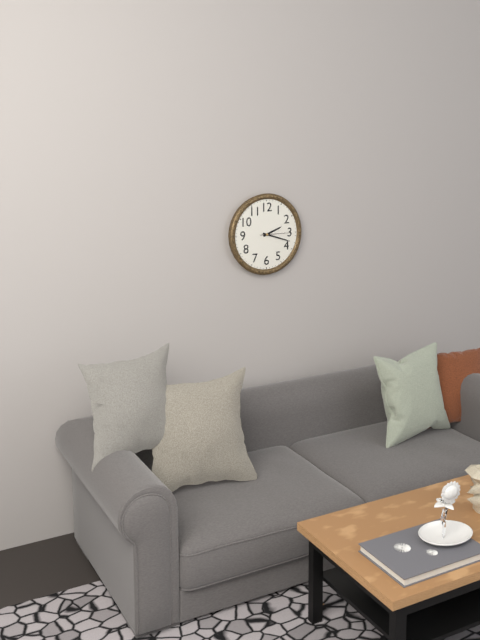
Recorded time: 2:18
